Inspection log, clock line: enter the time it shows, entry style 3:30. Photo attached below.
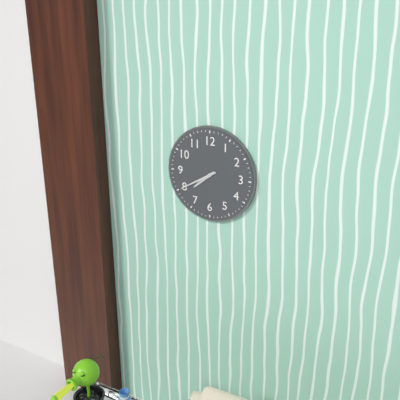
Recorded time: 7:40
